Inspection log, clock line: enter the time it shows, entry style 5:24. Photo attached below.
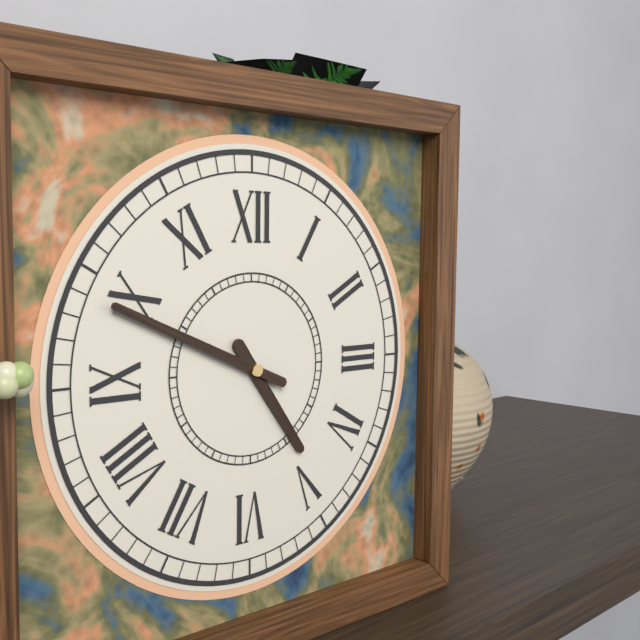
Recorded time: 4:49
